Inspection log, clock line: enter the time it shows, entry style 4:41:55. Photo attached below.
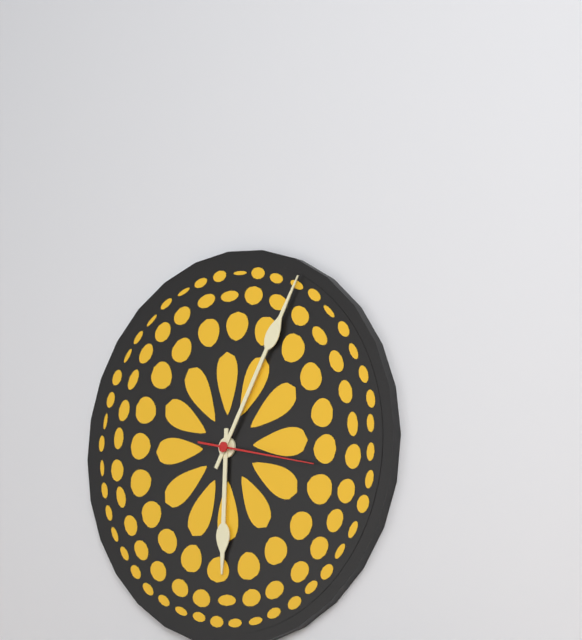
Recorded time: 6:05:17
